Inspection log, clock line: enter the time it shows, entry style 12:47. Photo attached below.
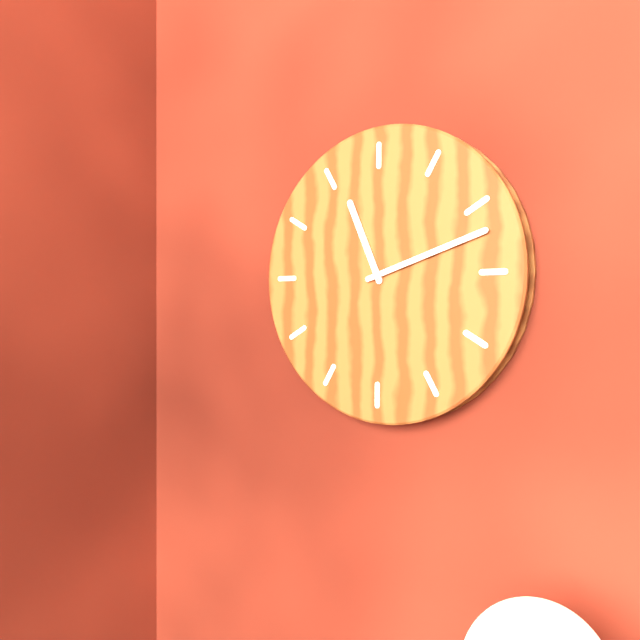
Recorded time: 11:12
